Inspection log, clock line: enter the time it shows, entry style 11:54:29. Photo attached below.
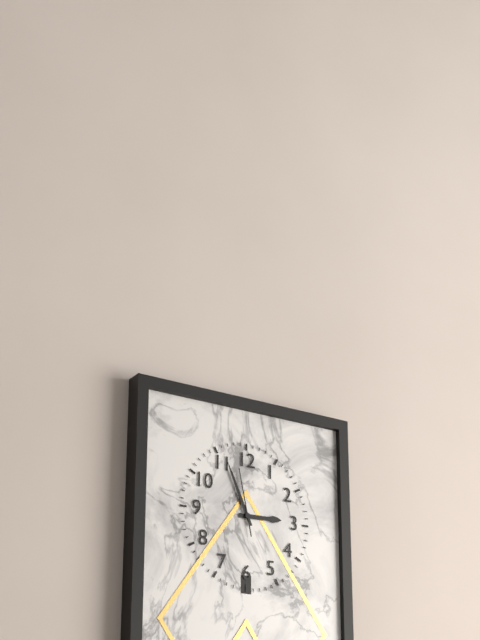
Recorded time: 2:56:58
